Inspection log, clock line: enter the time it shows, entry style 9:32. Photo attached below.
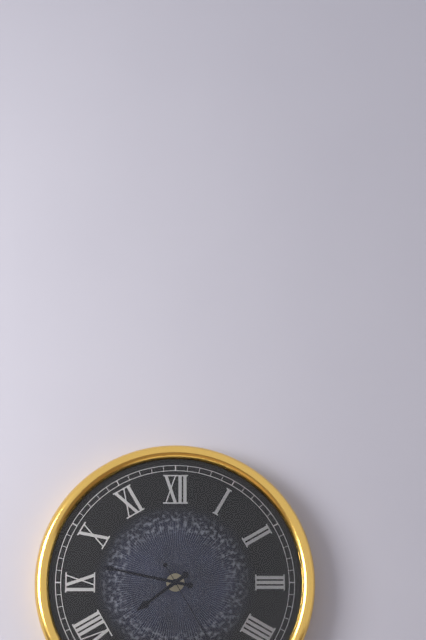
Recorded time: 7:47
